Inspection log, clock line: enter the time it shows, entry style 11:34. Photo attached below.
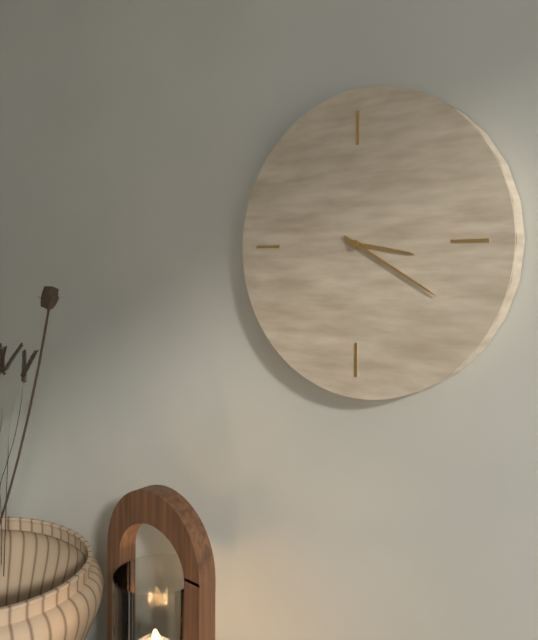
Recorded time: 3:20
